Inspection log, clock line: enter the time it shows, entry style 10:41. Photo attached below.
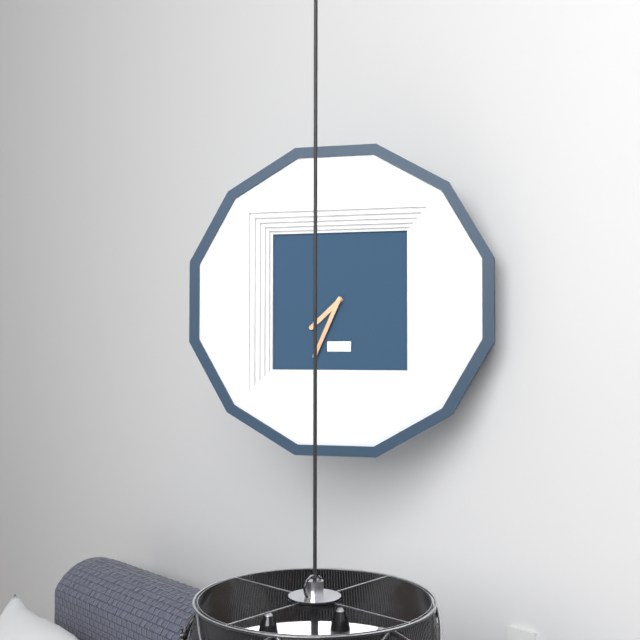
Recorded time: 7:34
